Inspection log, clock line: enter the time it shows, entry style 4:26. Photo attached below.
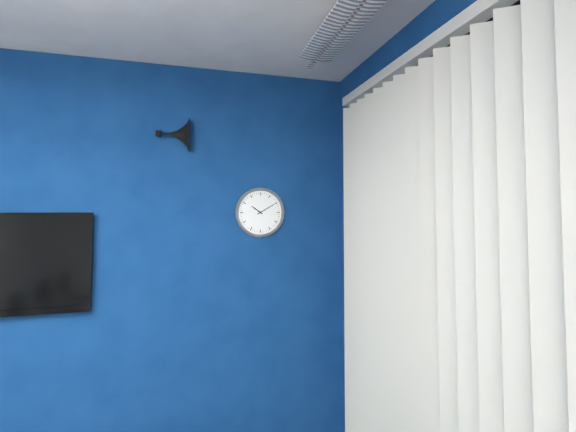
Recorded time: 10:10
